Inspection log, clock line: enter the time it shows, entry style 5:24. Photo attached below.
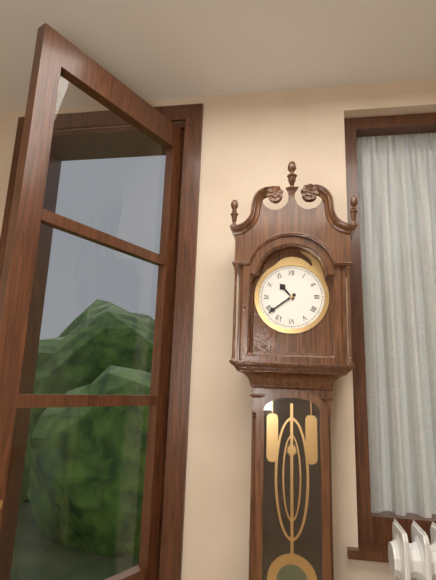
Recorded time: 10:39
